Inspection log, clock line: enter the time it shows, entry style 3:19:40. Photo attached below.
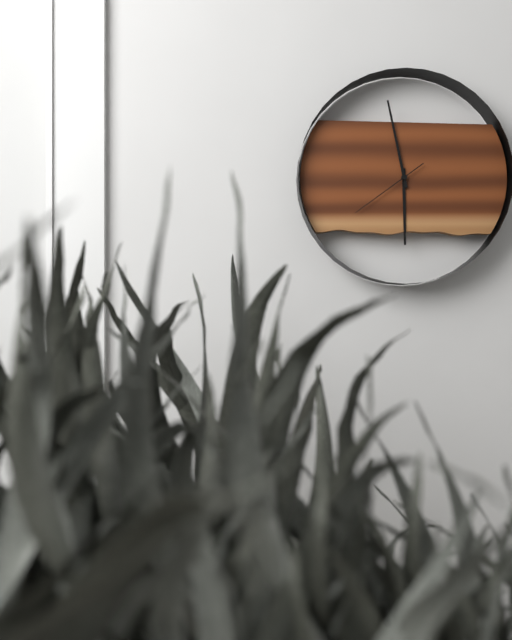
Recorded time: 5:58:39
